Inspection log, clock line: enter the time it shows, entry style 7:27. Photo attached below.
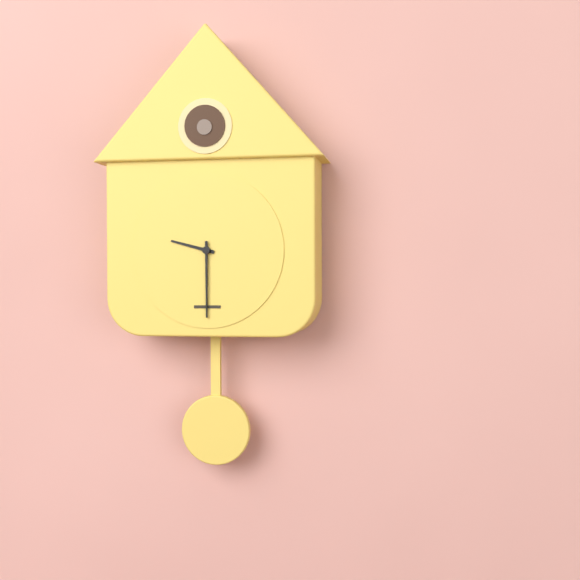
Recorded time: 9:30
